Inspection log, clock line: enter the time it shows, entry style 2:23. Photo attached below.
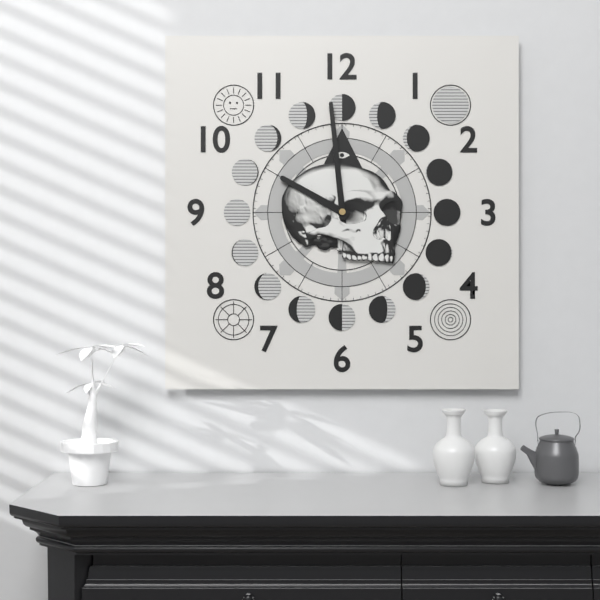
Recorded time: 9:59
